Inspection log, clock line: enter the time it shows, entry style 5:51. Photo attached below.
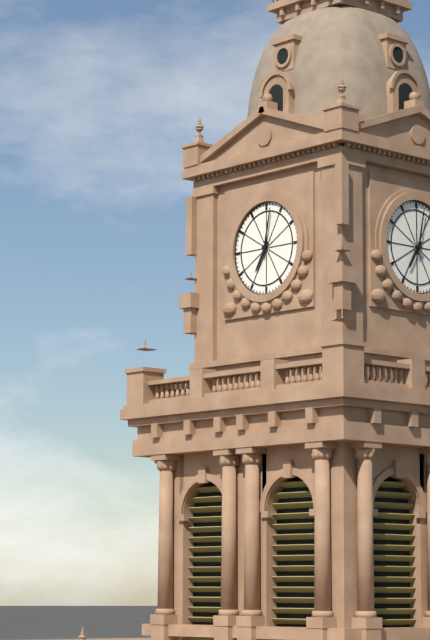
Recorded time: 7:02
